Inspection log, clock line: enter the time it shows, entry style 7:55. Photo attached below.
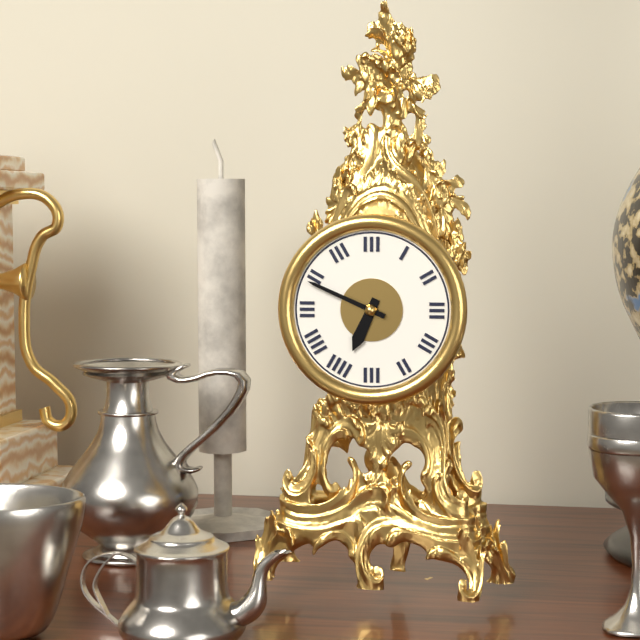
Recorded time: 6:49
